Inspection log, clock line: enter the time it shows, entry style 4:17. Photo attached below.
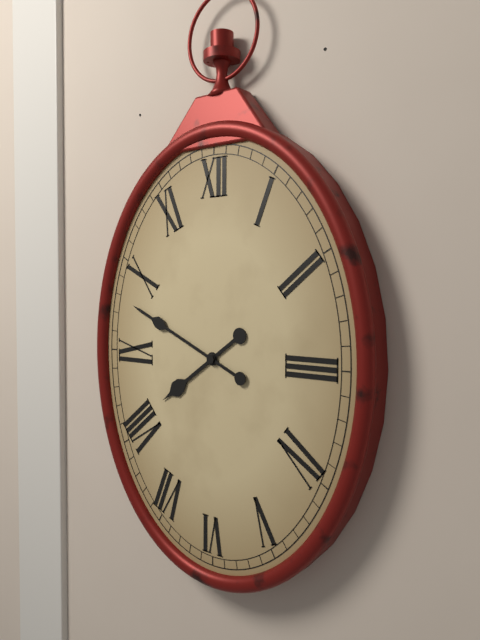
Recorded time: 7:49
